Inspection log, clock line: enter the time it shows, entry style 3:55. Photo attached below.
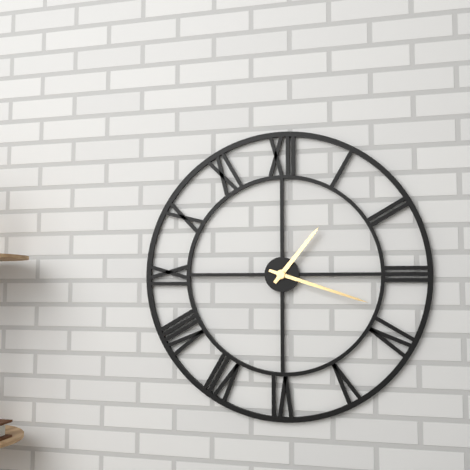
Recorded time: 1:18
